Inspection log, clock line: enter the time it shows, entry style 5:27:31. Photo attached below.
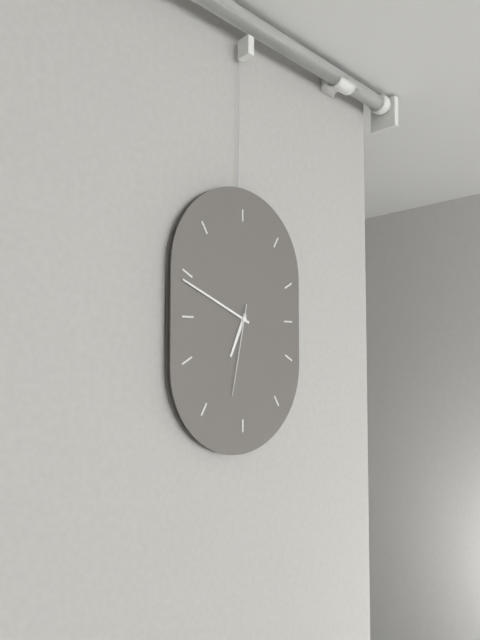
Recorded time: 6:49:32
